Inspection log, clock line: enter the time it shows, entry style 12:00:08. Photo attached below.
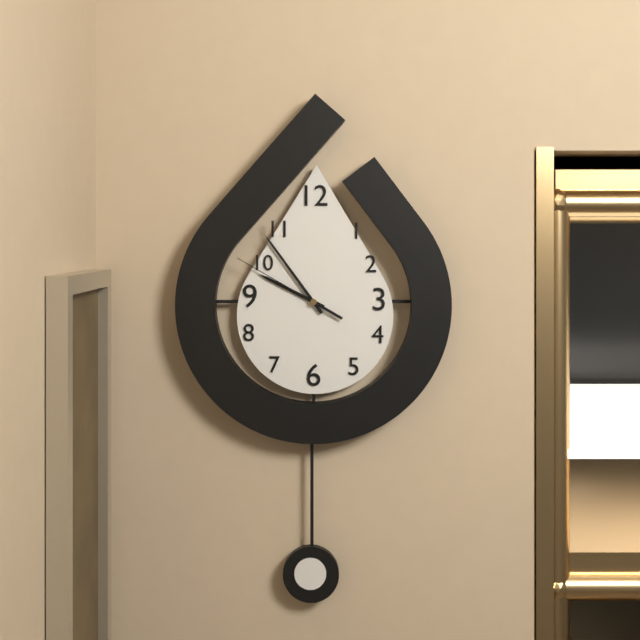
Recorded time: 9:54:50
